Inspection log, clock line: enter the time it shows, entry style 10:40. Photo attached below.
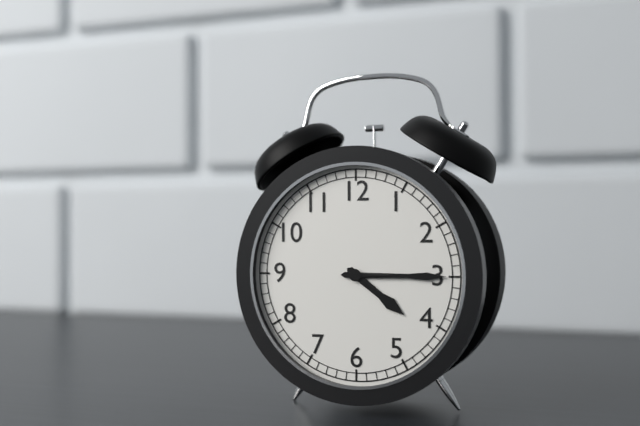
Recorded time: 4:15
